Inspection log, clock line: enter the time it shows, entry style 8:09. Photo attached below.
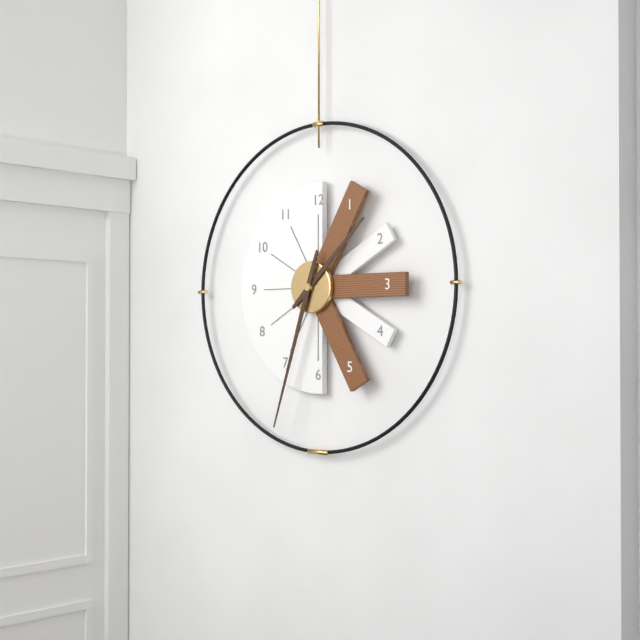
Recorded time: 1:33
